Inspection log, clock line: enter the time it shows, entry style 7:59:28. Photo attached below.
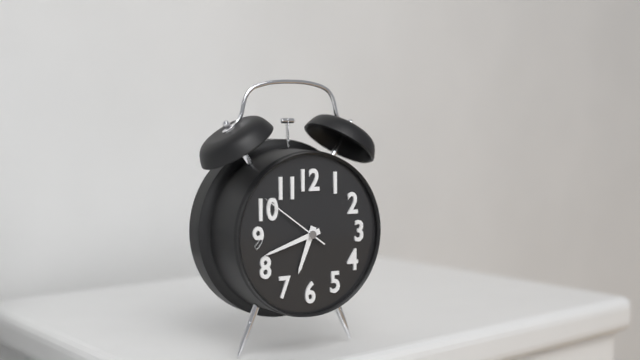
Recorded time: 6:42:51
